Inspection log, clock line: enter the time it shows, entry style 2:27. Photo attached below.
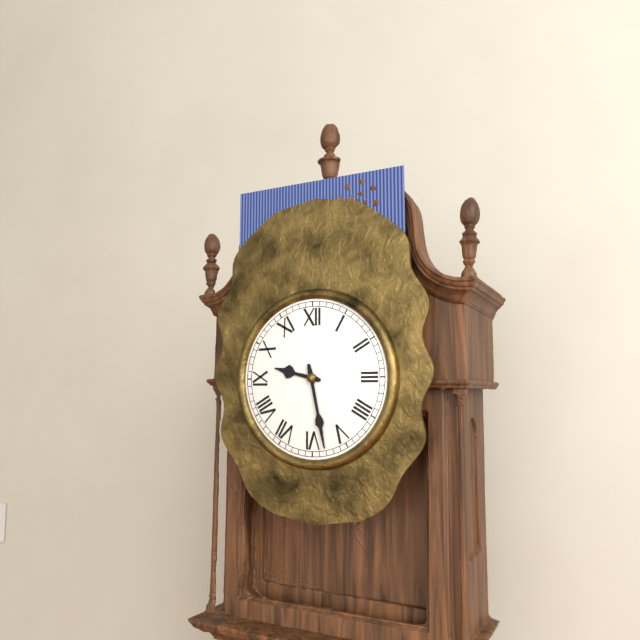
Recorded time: 9:28
